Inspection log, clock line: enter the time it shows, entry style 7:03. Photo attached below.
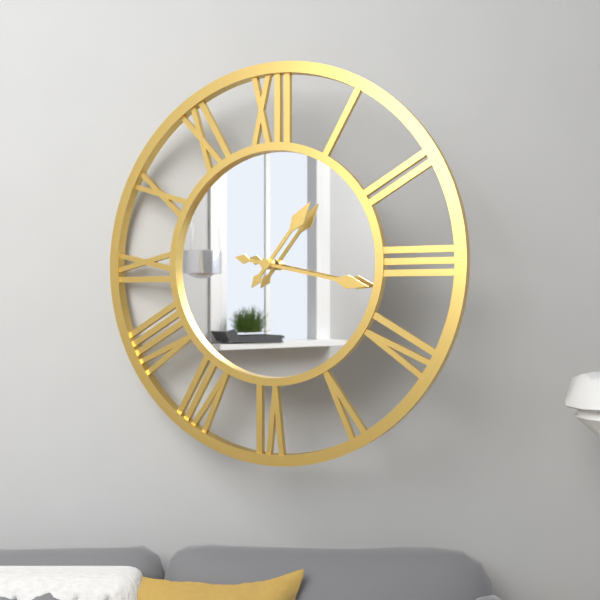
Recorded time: 1:17
